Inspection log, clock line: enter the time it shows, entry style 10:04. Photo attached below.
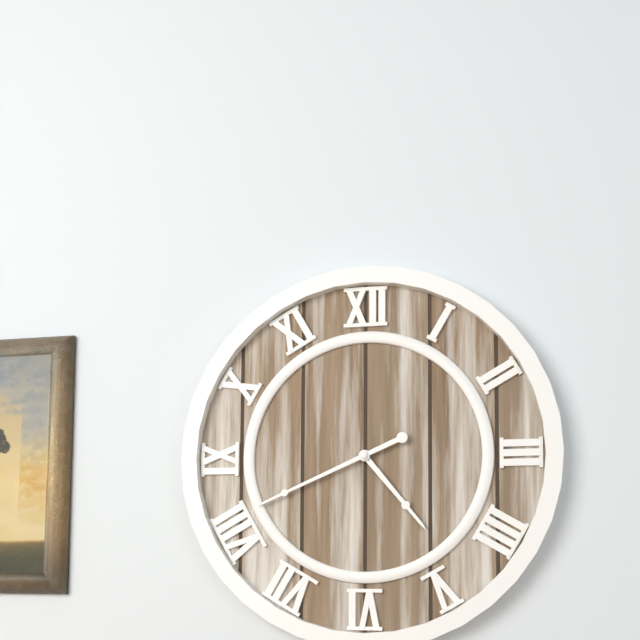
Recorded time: 4:41
